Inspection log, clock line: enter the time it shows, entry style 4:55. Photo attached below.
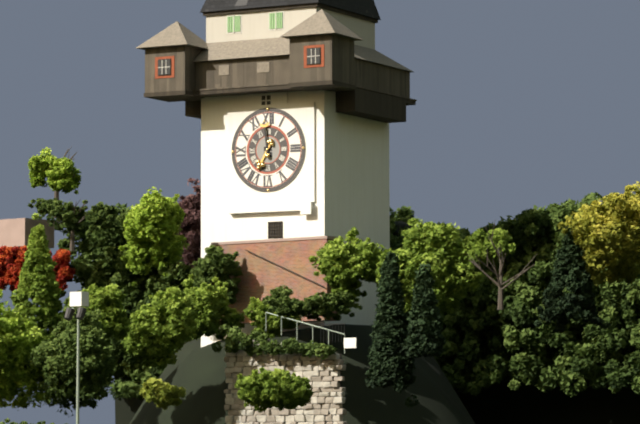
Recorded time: 6:59
